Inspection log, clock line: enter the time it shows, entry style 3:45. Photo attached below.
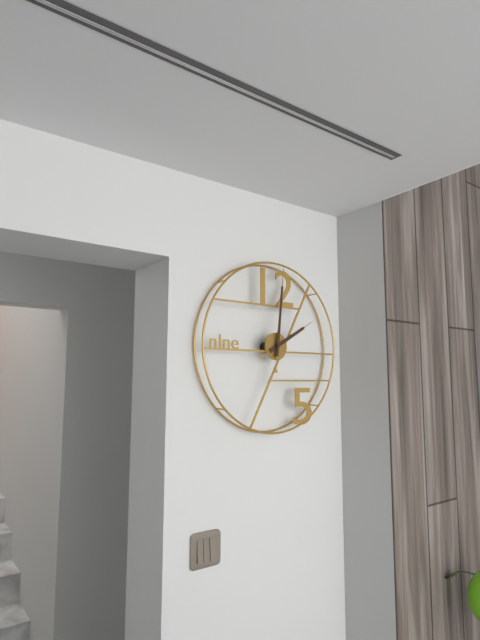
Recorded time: 2:01
